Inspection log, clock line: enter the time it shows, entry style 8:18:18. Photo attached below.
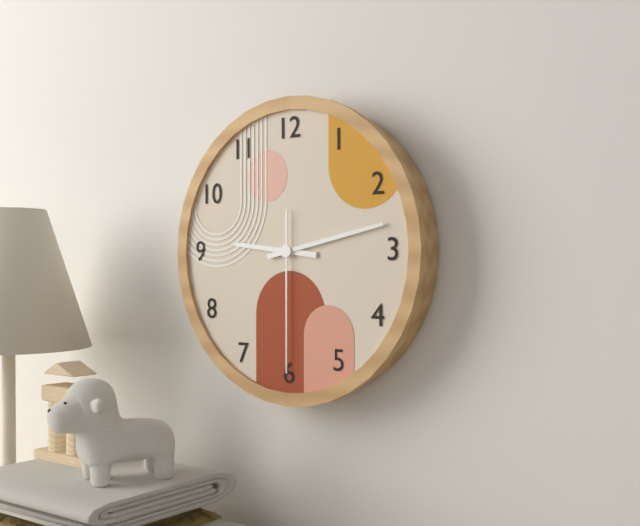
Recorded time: 9:13:30
